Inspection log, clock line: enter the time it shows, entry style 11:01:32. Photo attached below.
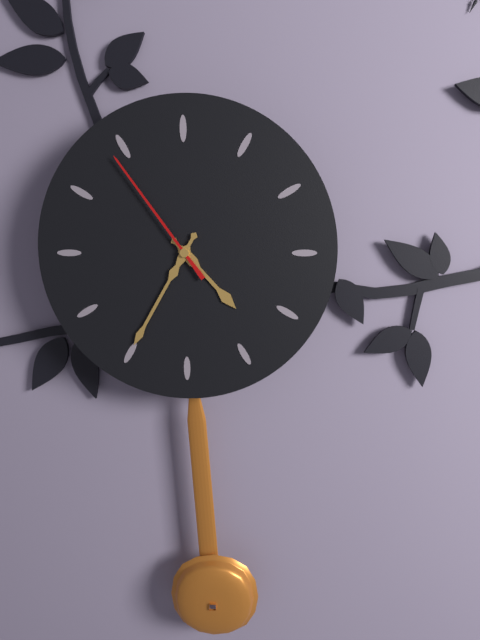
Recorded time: 4:35:54
